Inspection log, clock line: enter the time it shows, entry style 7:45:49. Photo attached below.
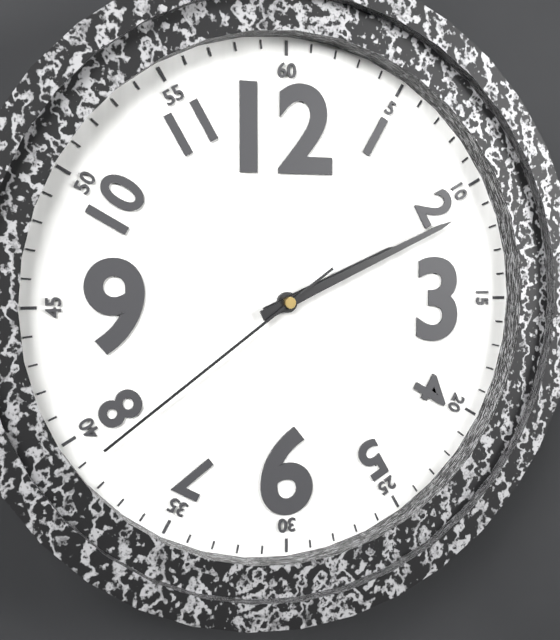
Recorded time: 2:11:39
